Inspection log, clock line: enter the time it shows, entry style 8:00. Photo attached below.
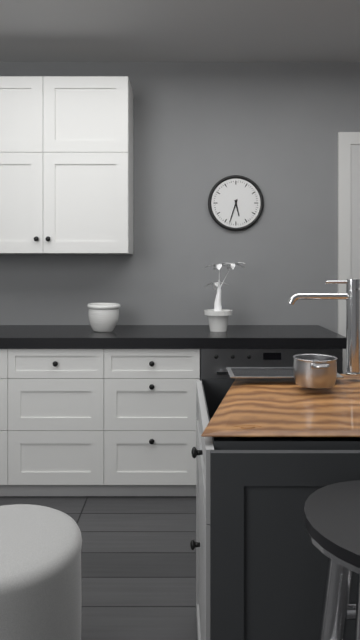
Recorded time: 5:33
